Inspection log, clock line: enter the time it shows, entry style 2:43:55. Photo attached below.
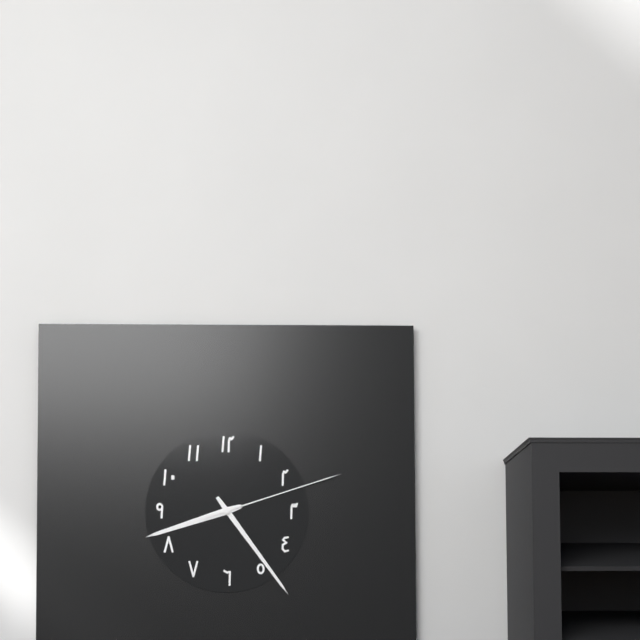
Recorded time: 8:24:12
